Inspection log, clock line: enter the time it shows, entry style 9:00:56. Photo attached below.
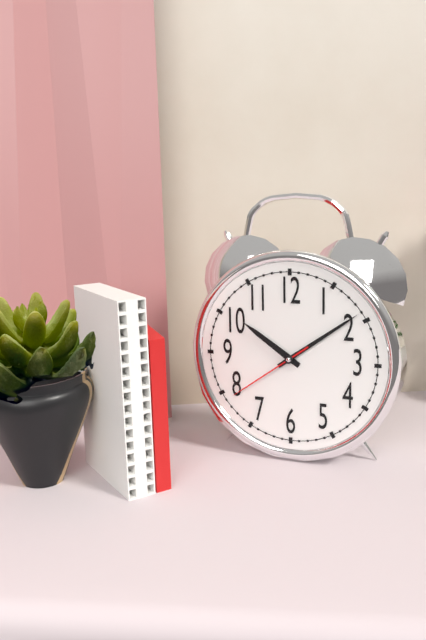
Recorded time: 10:09:39
